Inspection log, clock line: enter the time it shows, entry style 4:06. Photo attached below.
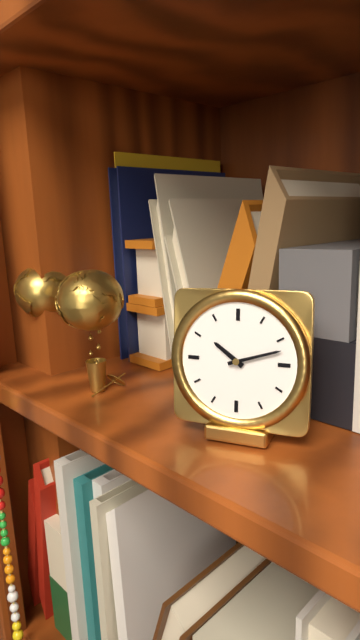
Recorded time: 10:12
